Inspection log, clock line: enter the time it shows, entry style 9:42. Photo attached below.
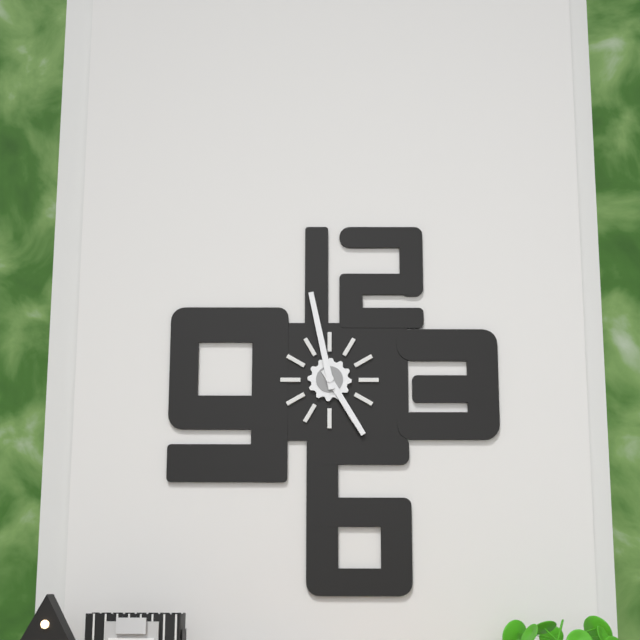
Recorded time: 4:58
